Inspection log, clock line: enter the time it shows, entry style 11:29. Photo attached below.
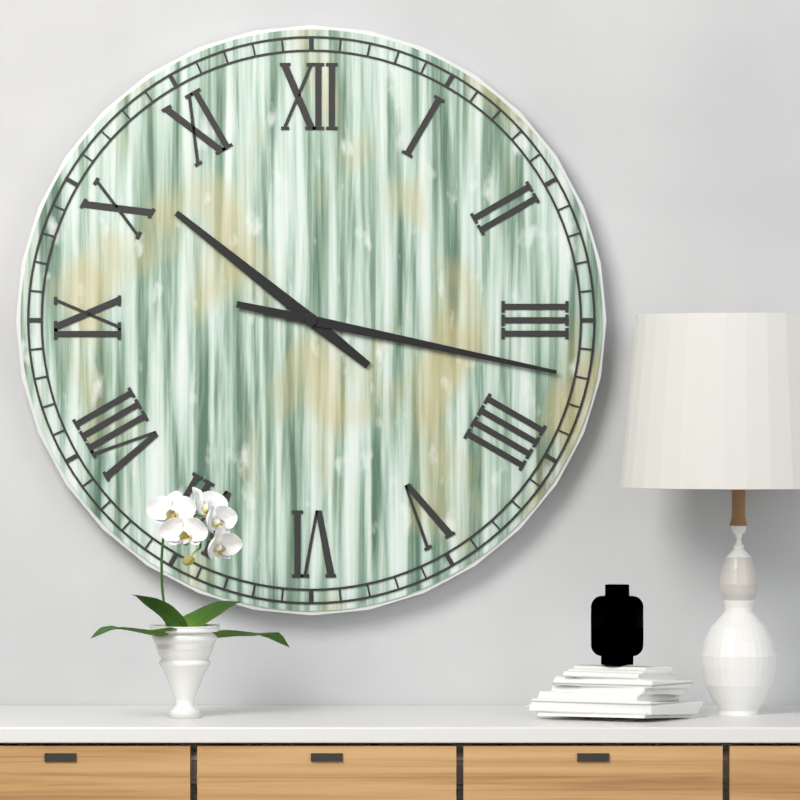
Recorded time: 10:17
